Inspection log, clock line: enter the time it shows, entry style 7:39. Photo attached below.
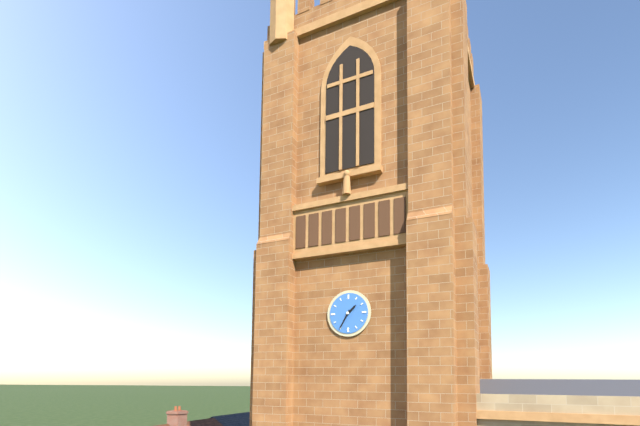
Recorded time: 1:35
